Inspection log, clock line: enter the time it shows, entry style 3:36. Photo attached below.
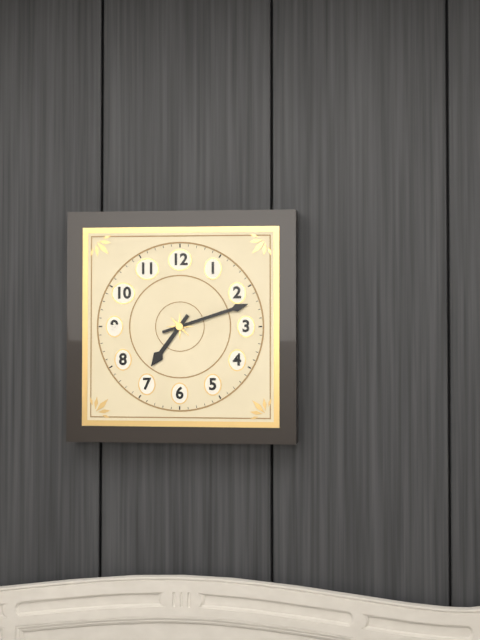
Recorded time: 7:12
